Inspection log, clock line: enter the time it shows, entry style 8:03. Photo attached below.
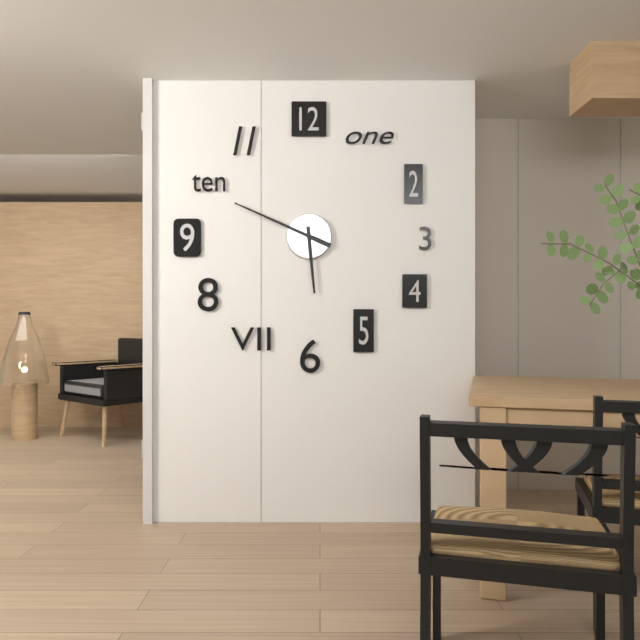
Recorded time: 5:49
